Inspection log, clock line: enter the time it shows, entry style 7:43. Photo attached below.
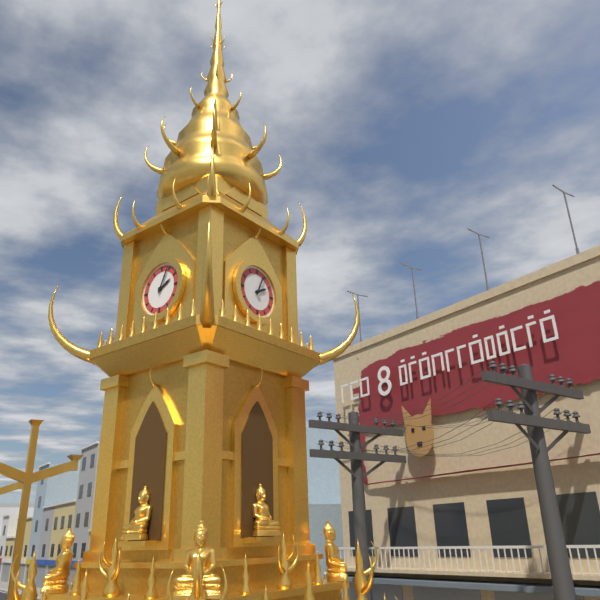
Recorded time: 2:04
